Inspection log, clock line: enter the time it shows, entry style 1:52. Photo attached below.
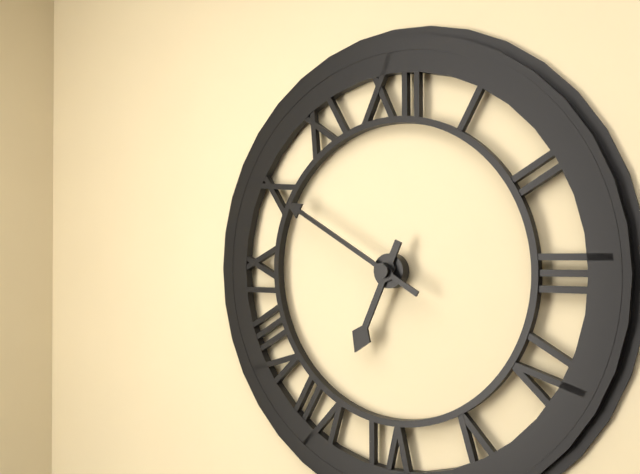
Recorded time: 6:50
